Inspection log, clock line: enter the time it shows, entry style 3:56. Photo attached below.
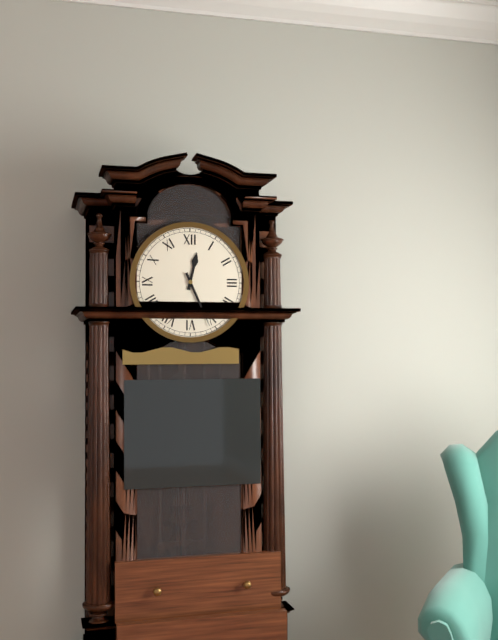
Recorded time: 12:26
